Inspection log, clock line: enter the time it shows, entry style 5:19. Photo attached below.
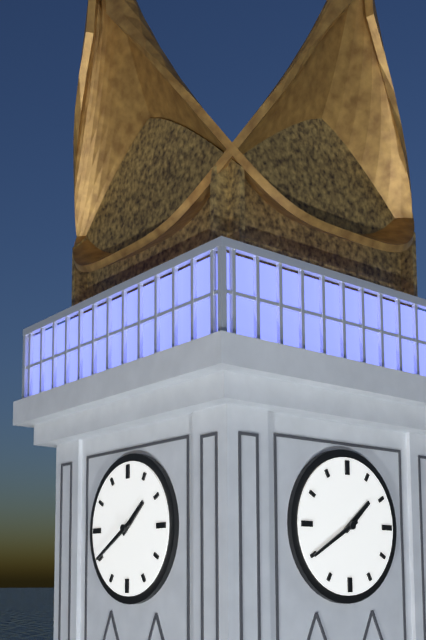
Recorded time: 1:40
